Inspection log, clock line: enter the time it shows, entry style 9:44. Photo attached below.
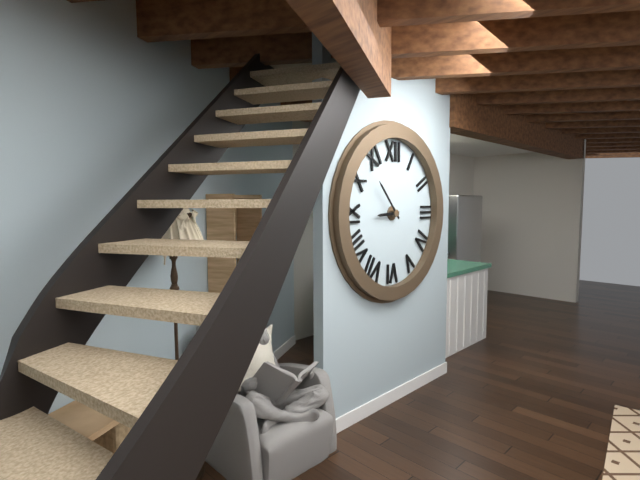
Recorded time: 8:53
